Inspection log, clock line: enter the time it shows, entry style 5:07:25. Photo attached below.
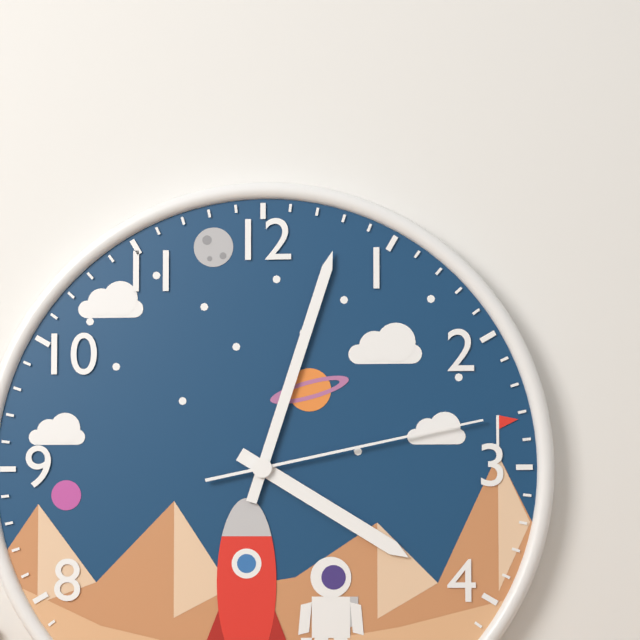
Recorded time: 4:03:13
